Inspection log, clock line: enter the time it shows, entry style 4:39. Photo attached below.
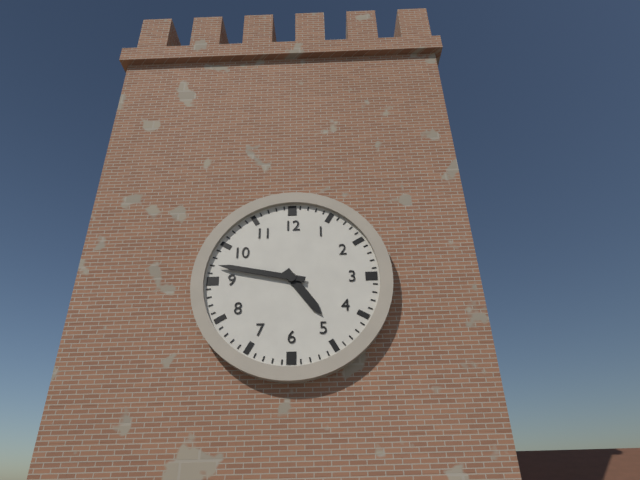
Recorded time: 4:47
